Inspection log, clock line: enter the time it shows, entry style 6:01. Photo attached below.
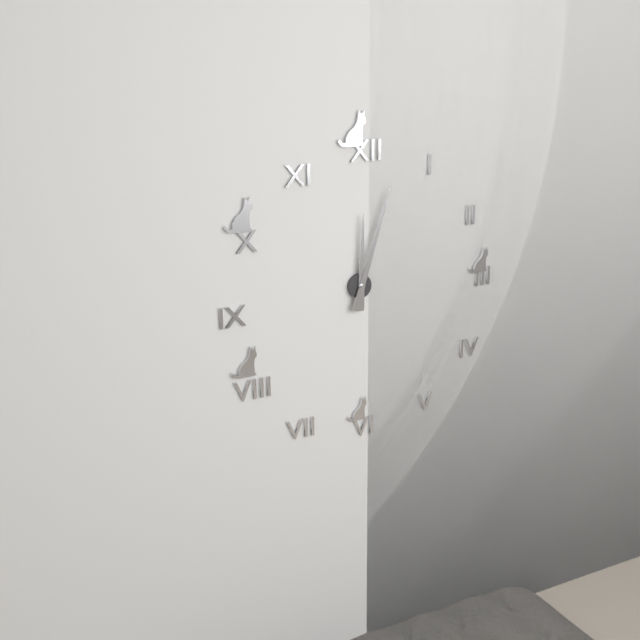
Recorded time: 12:03
